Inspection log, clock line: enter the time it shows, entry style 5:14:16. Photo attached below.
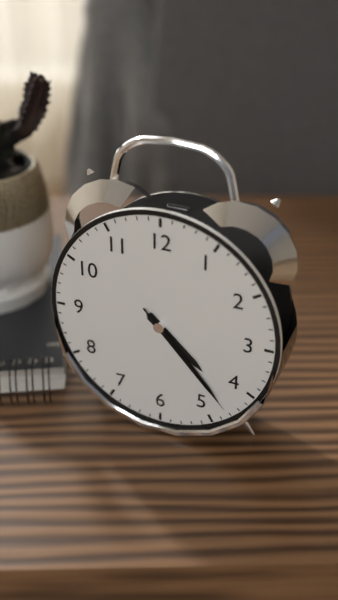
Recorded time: 4:23:23
